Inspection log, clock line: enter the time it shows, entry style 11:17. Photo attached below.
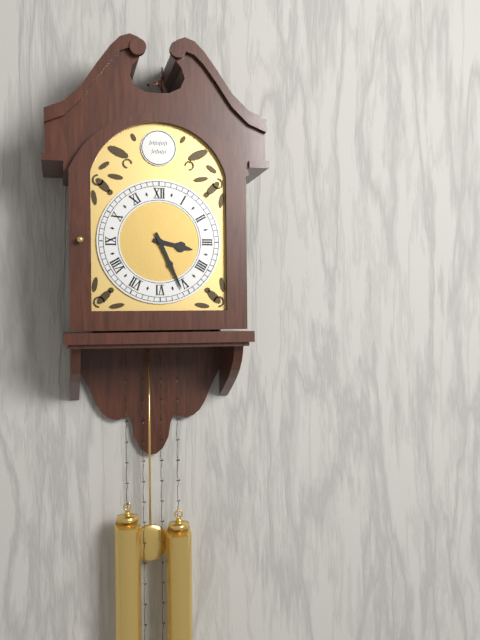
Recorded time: 3:26
